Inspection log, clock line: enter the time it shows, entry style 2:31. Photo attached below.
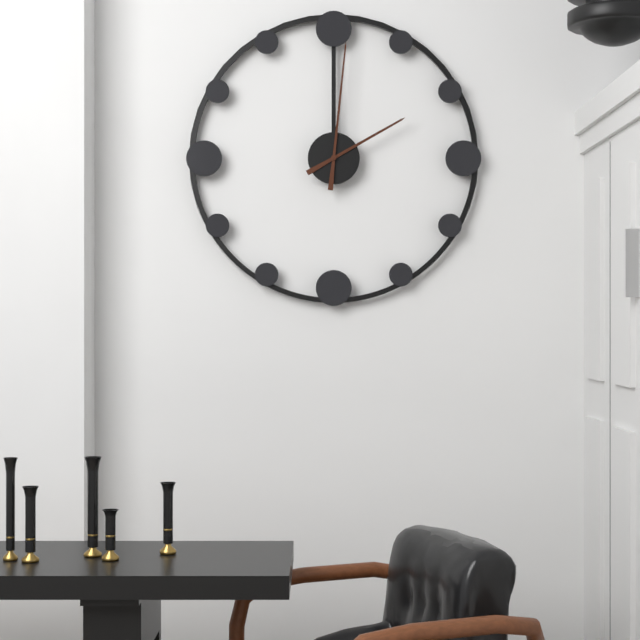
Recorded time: 2:01
